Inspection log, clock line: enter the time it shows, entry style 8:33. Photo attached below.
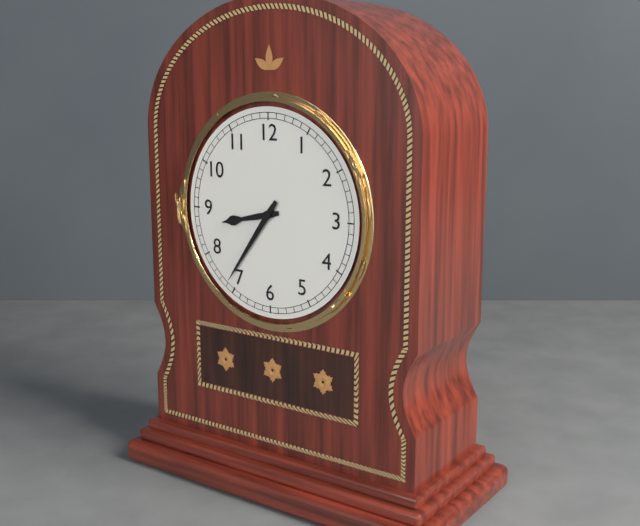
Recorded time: 8:36
